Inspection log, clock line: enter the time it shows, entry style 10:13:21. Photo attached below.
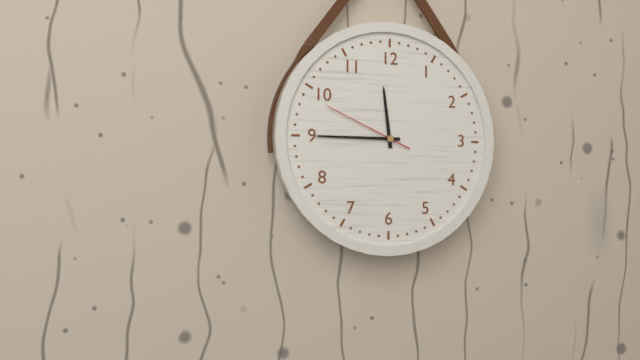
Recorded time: 11:45:49
